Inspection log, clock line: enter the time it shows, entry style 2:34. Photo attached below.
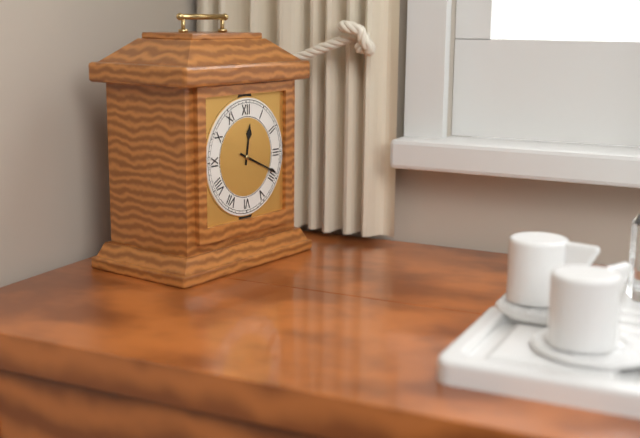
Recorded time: 12:19
